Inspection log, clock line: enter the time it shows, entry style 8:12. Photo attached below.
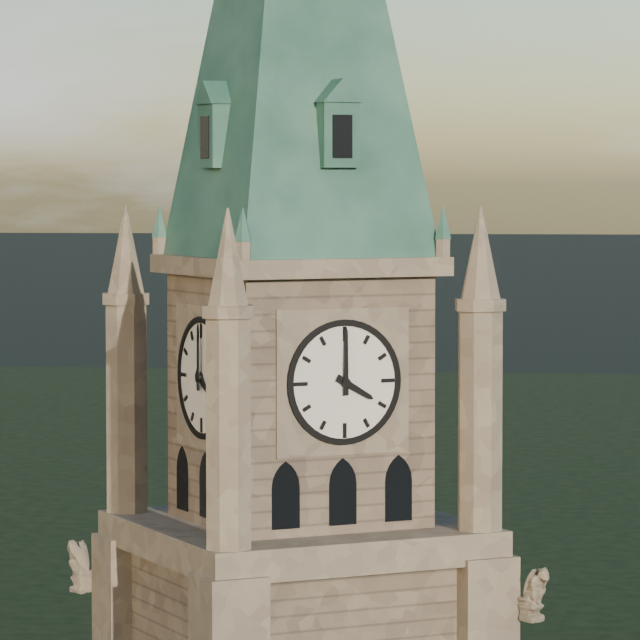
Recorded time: 4:00
